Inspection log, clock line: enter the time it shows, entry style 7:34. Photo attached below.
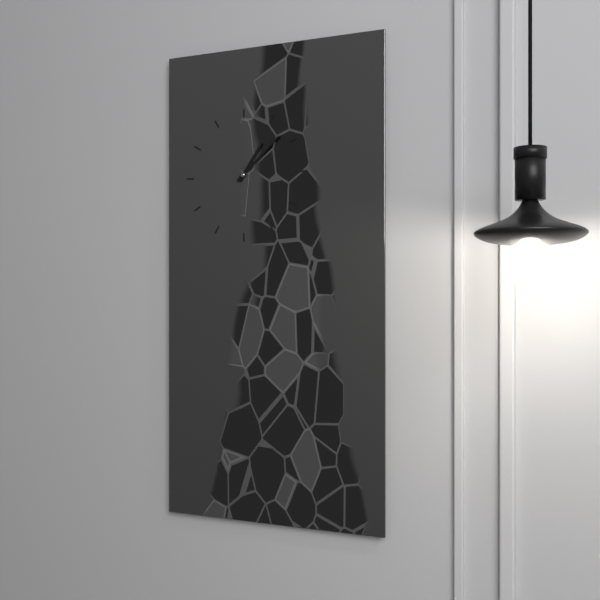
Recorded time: 1:08
